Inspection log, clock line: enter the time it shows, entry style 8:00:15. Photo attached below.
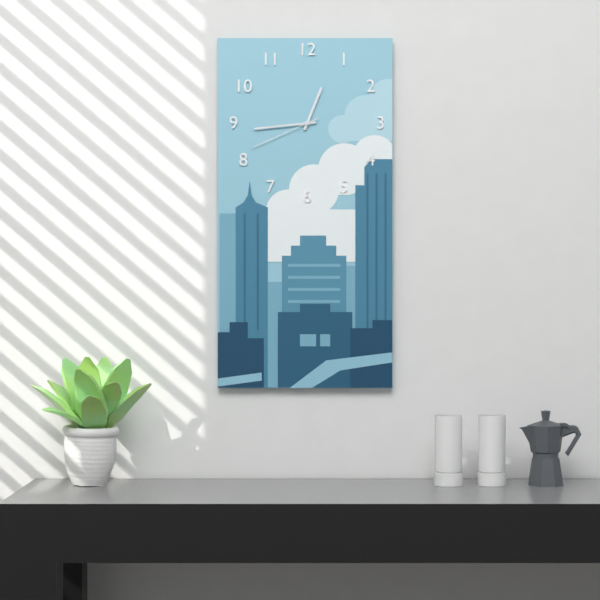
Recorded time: 12:44:41
